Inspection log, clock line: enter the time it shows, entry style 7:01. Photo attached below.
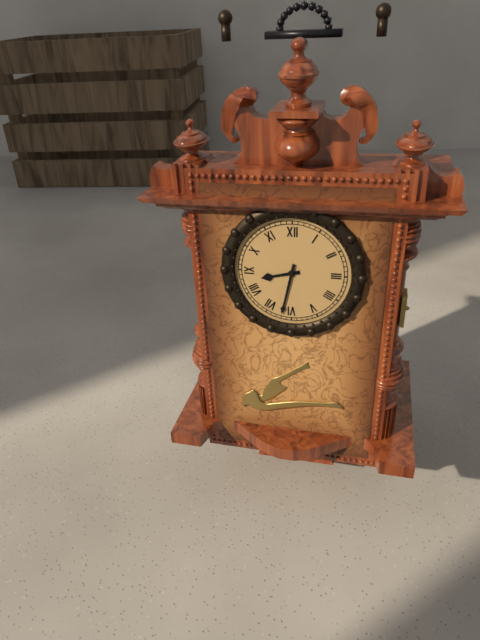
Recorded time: 8:32
